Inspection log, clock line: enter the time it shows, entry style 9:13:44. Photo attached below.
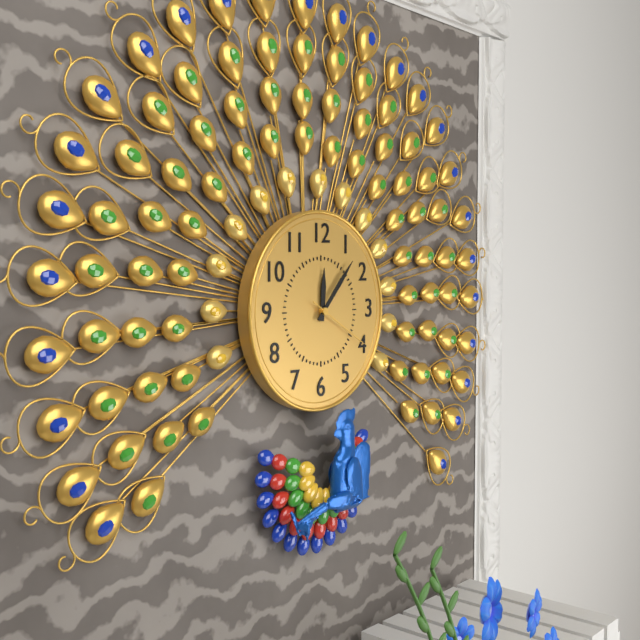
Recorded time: 12:07:20
